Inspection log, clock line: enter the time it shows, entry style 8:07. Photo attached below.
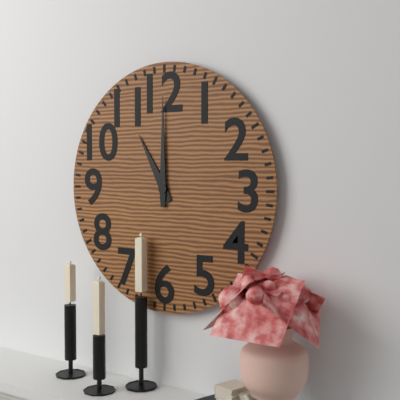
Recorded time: 11:00
